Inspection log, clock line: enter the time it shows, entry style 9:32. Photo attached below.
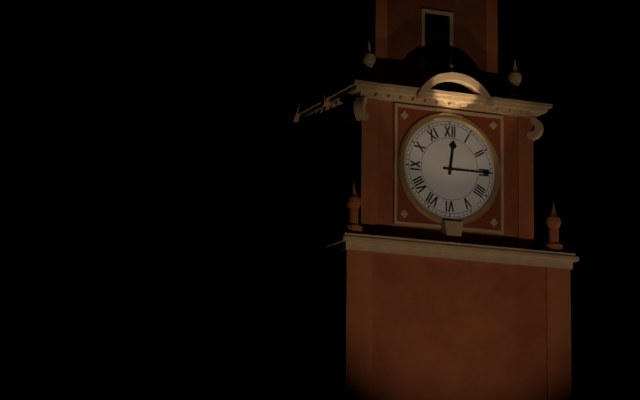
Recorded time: 12:15
